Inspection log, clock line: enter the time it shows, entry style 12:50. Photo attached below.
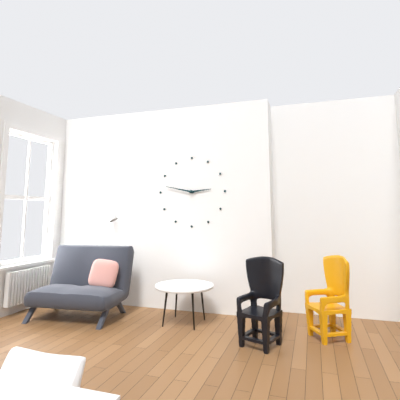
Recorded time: 2:47
